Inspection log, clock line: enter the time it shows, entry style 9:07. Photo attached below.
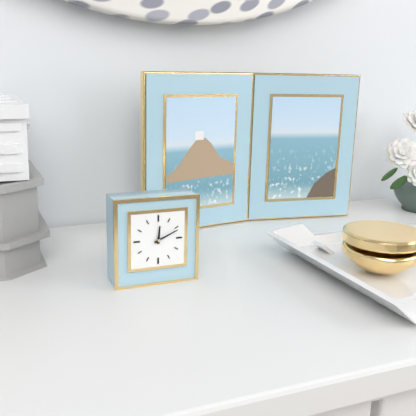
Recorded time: 12:11
